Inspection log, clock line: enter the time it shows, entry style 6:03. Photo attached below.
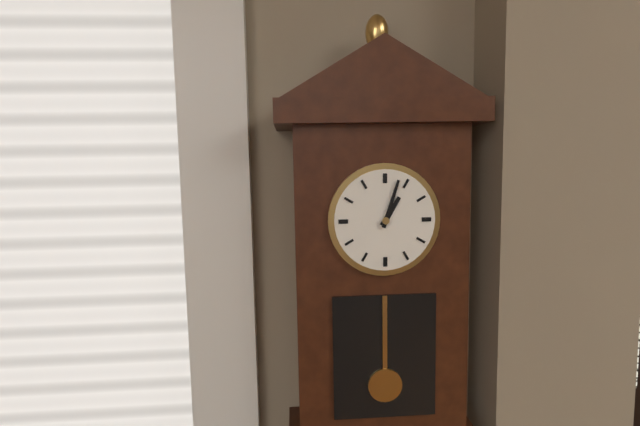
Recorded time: 1:03
